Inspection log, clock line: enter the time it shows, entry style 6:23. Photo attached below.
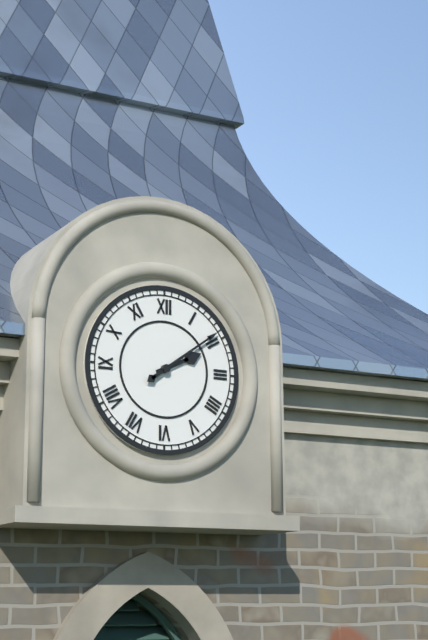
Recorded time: 2:09
